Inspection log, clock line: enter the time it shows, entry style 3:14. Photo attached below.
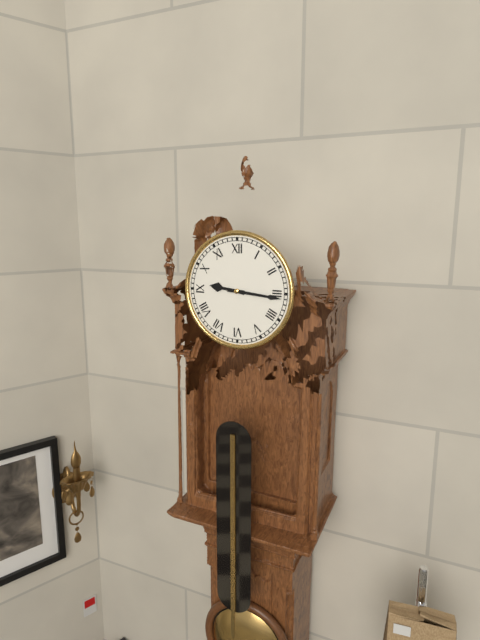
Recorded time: 9:16
